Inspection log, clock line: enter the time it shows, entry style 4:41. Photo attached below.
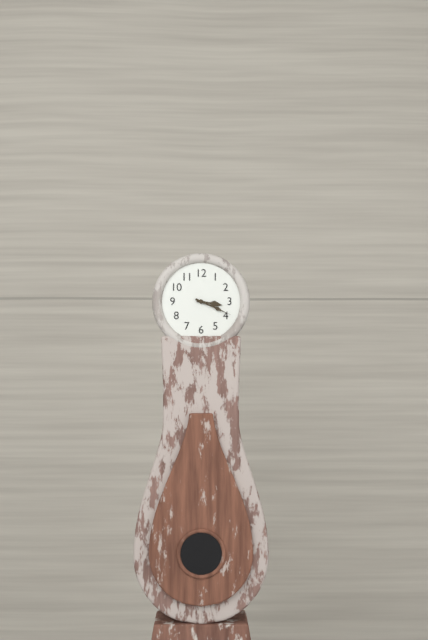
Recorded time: 3:19
